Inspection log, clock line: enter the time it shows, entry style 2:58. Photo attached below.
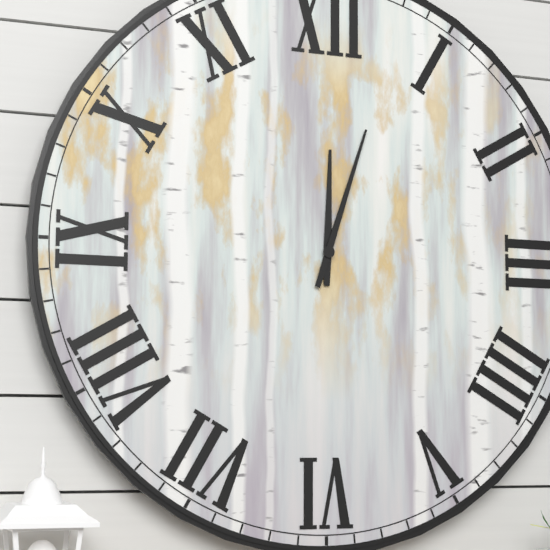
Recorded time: 12:03
